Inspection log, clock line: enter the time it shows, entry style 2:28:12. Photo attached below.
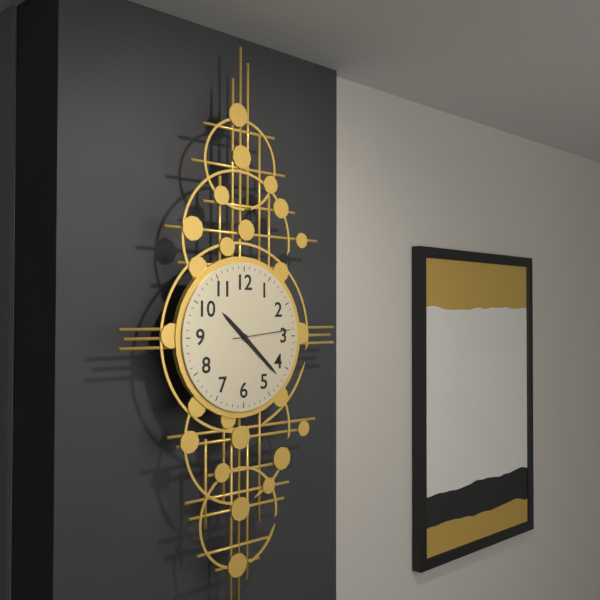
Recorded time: 10:22:14
